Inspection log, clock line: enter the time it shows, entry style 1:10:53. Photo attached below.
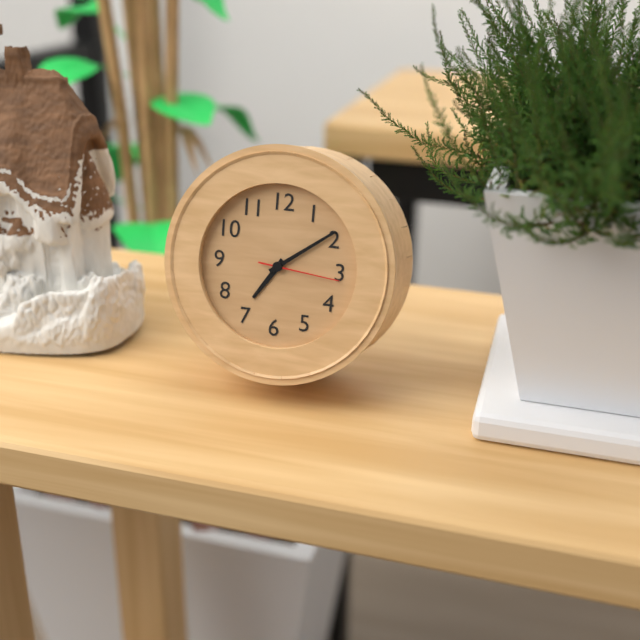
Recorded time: 7:09:16
